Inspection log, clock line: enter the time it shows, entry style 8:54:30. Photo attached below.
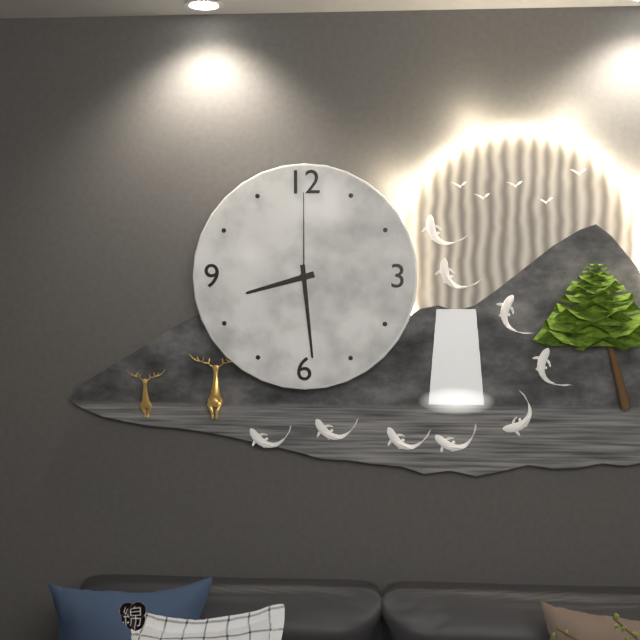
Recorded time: 8:29:00
